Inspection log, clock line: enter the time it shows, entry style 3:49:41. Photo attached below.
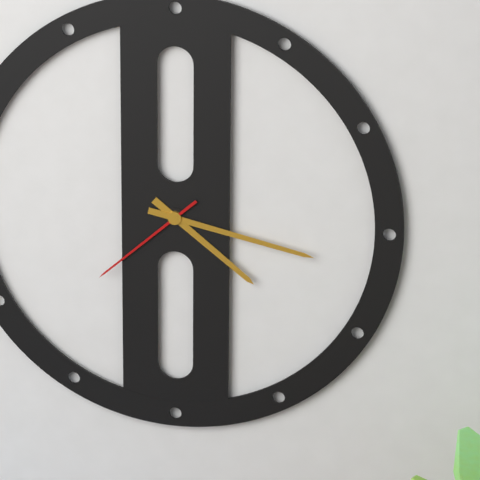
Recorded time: 4:17:38
